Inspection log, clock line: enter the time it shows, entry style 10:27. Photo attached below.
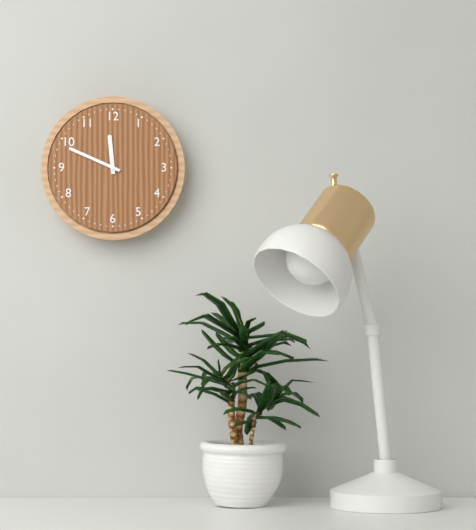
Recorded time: 11:49
